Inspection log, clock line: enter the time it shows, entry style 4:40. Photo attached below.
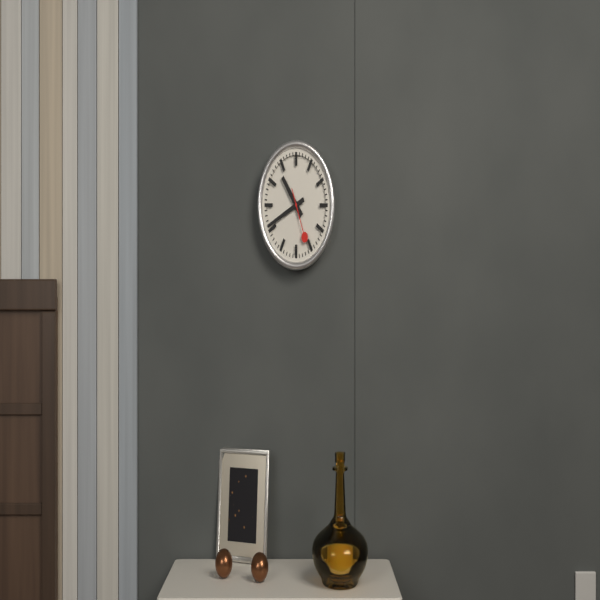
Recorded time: 10:41
